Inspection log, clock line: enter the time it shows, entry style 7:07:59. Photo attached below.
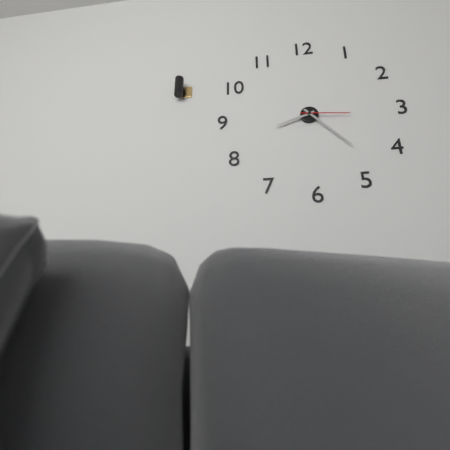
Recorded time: 8:23:16
